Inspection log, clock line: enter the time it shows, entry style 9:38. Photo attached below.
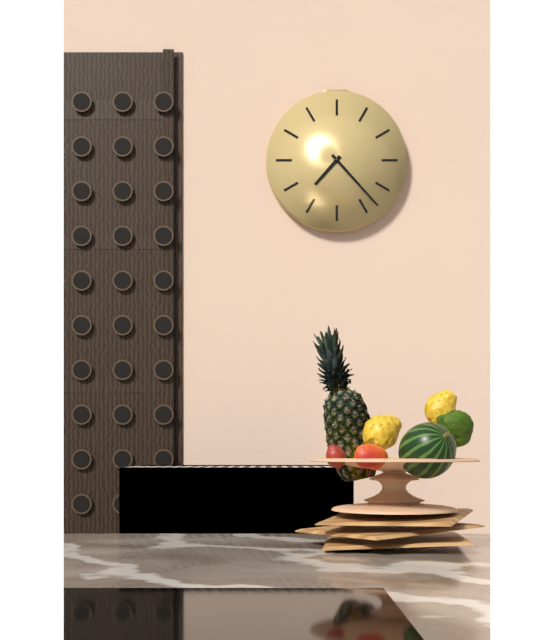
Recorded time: 7:23
